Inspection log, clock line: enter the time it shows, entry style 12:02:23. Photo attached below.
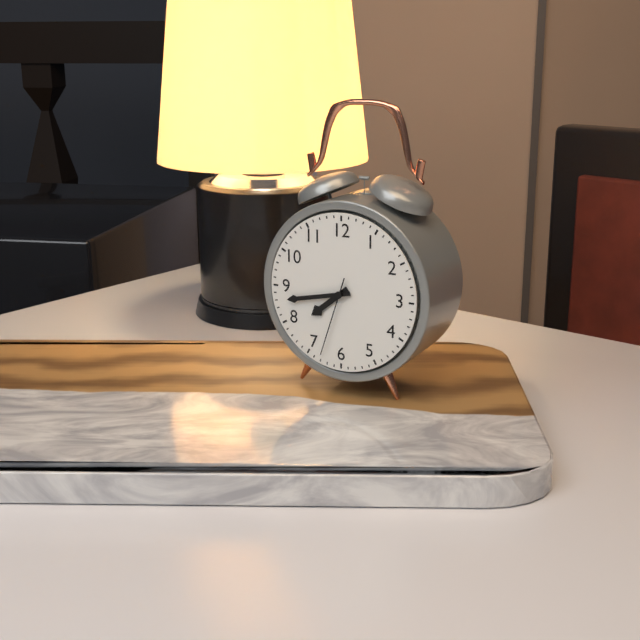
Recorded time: 7:43:33
